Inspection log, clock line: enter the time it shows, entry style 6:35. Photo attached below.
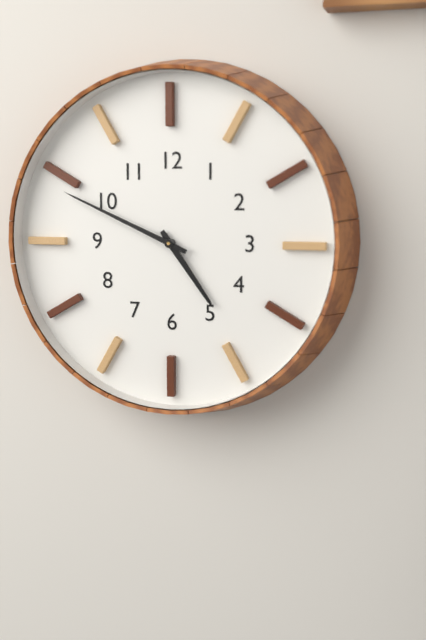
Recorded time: 4:49
